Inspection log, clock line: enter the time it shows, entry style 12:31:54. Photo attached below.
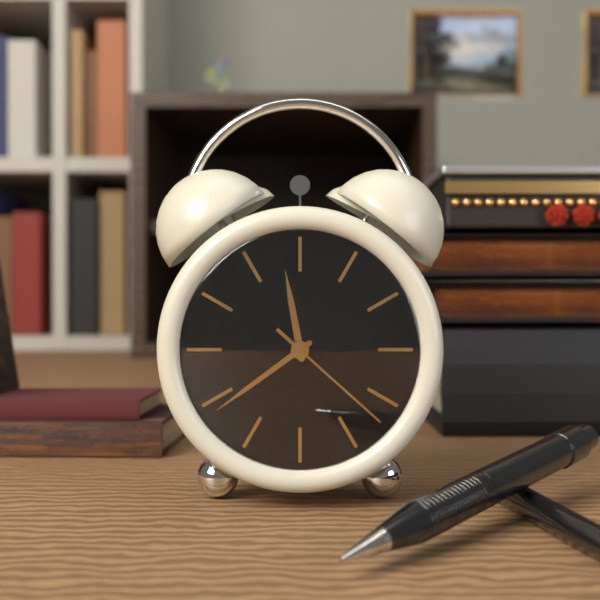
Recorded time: 11:39:22
